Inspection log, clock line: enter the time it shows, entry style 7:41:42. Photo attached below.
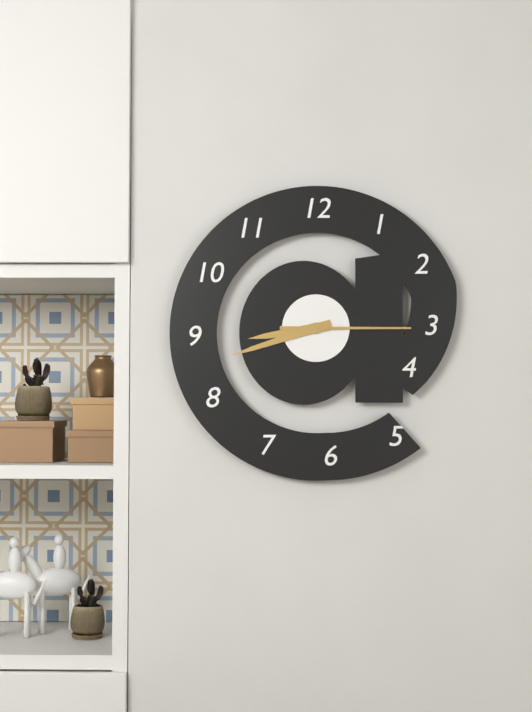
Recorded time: 8:42:15
